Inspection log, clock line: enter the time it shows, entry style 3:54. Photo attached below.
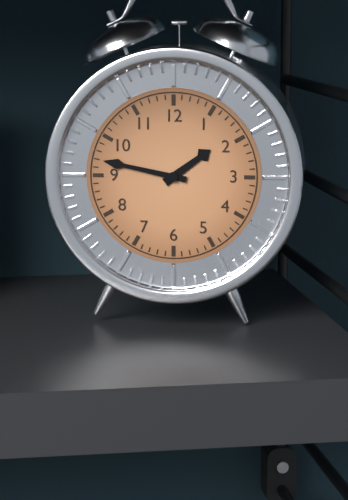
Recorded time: 1:47
